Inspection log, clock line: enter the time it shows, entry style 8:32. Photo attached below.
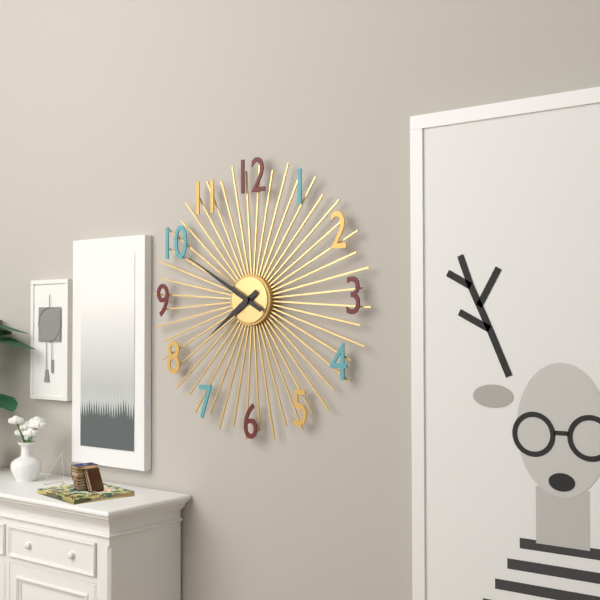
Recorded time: 7:50
